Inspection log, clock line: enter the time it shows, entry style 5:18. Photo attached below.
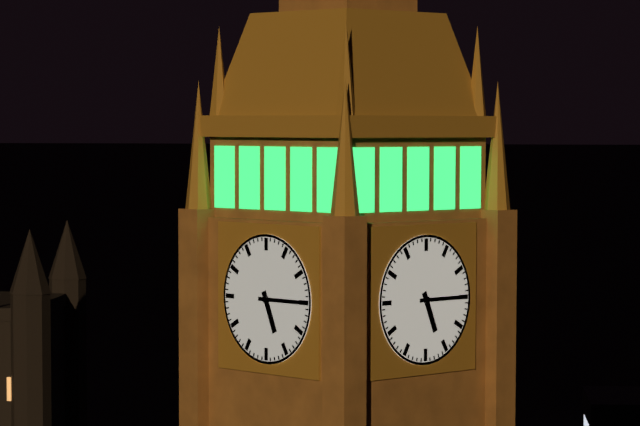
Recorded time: 5:15
